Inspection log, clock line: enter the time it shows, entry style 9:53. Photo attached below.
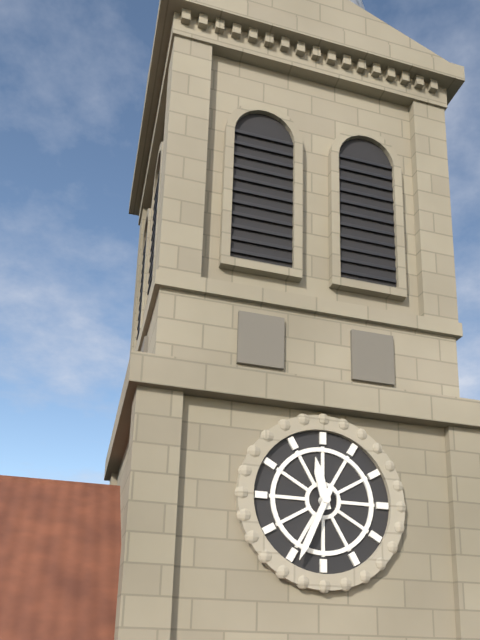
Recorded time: 11:34
